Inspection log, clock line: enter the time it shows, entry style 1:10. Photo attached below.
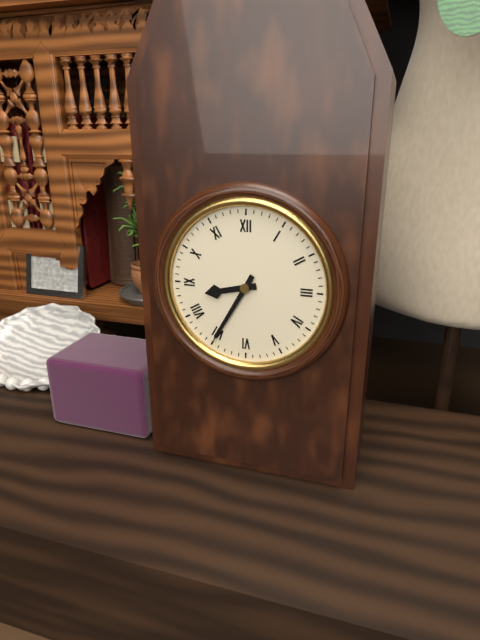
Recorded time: 8:35
